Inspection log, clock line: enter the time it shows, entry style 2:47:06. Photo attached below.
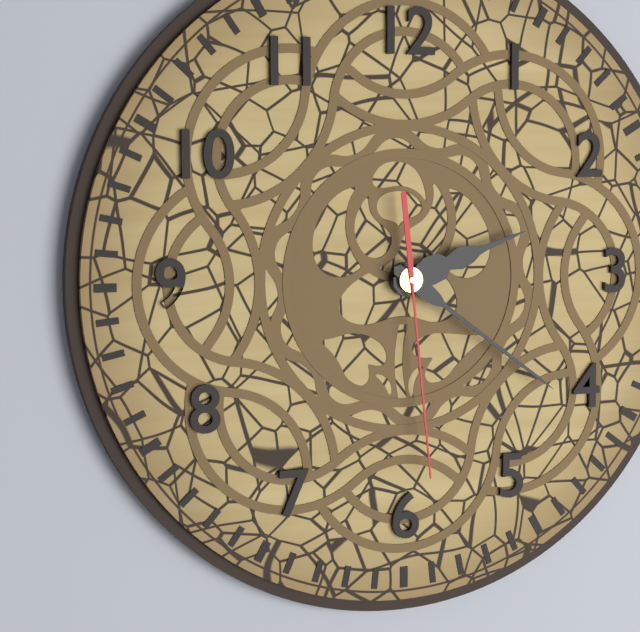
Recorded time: 2:21:29
